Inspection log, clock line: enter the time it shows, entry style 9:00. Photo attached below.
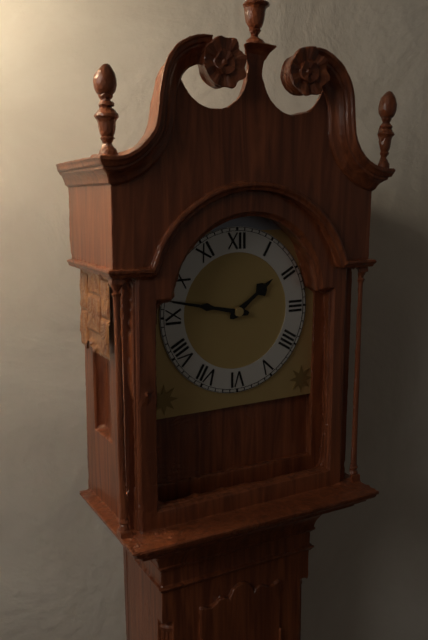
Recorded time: 1:47
